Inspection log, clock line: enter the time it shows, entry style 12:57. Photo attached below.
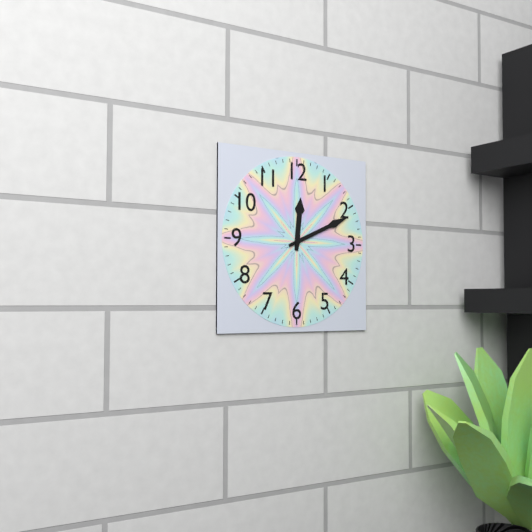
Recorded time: 12:11
